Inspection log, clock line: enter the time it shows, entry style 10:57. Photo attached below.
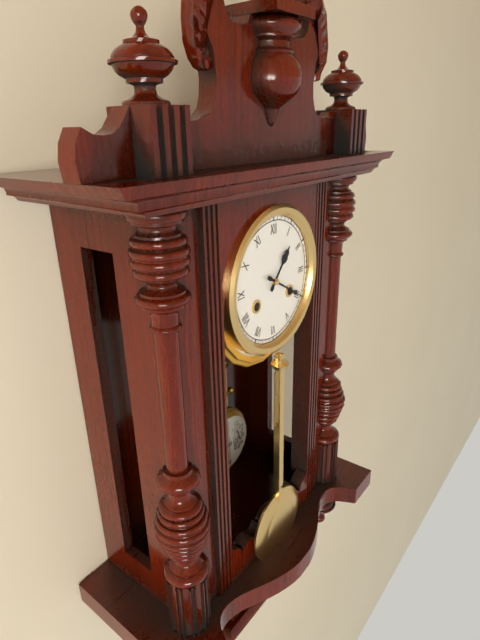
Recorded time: 1:20
